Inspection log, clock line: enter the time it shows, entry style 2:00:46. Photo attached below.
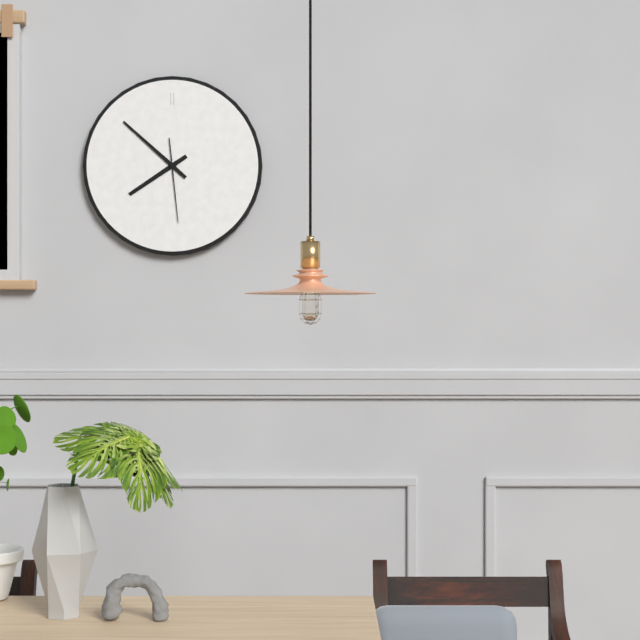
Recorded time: 7:52:29
